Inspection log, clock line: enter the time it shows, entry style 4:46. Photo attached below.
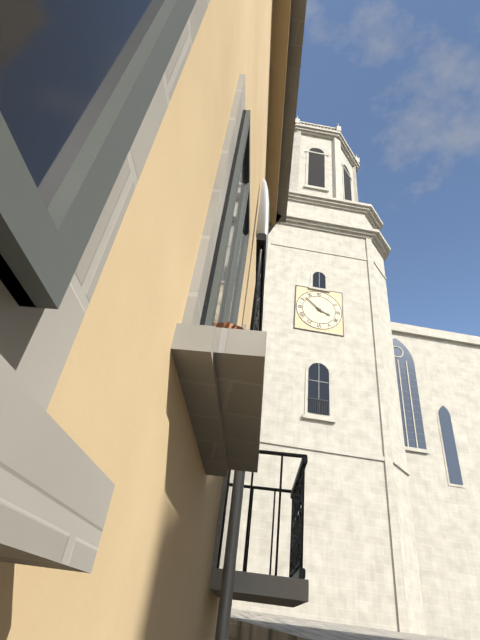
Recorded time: 3:52
